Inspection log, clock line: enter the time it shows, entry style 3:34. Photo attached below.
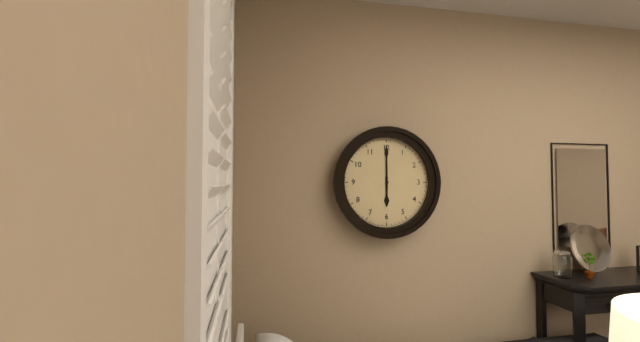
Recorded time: 6:00
